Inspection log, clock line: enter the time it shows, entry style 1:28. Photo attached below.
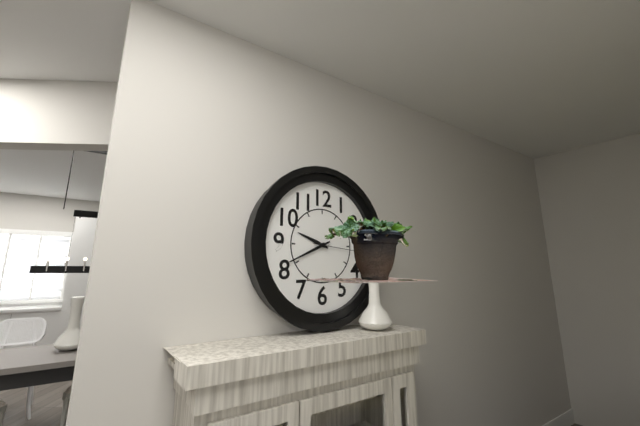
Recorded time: 9:41
